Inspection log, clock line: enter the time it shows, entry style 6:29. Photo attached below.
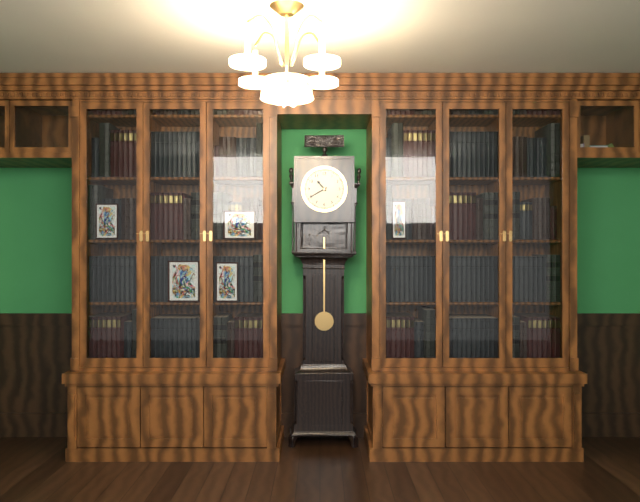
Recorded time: 10:40
